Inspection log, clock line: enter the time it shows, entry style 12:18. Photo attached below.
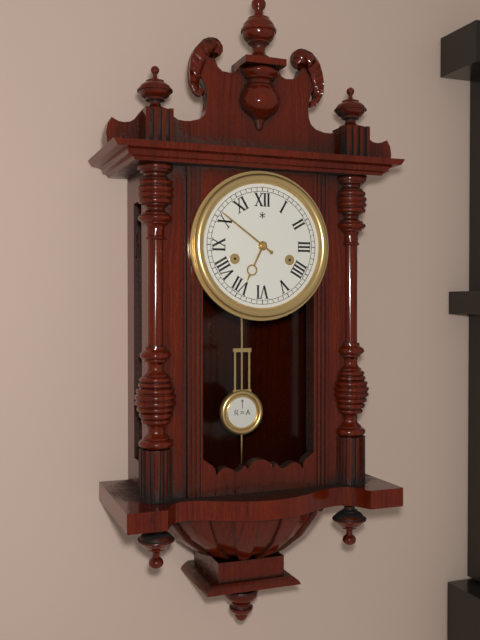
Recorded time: 6:51
